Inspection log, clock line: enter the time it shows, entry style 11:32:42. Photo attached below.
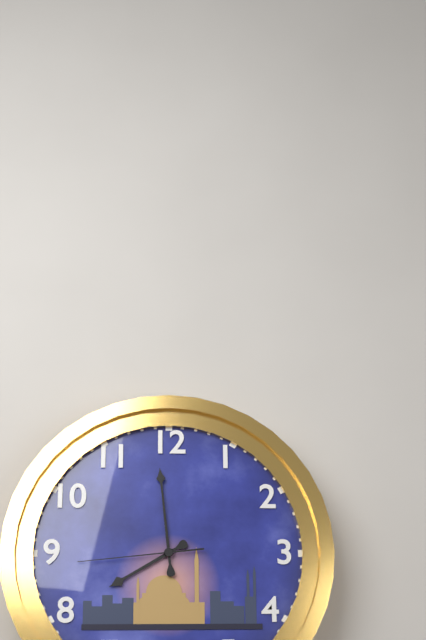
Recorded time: 7:59:44
